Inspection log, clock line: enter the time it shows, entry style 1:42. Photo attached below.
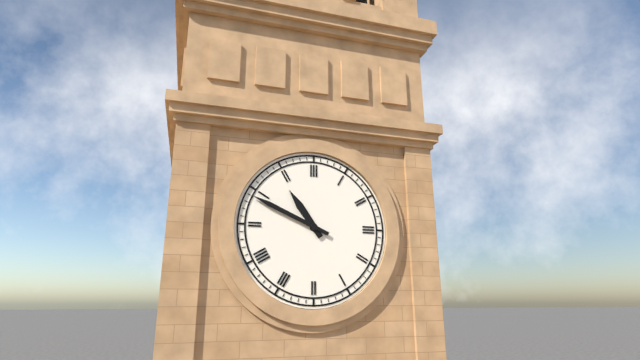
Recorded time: 10:49
